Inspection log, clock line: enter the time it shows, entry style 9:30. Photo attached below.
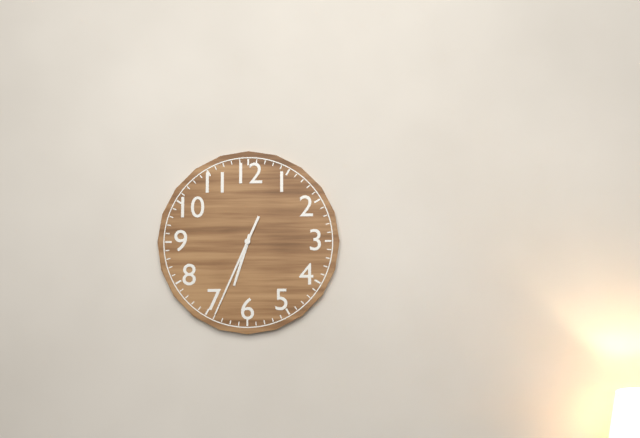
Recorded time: 6:34
